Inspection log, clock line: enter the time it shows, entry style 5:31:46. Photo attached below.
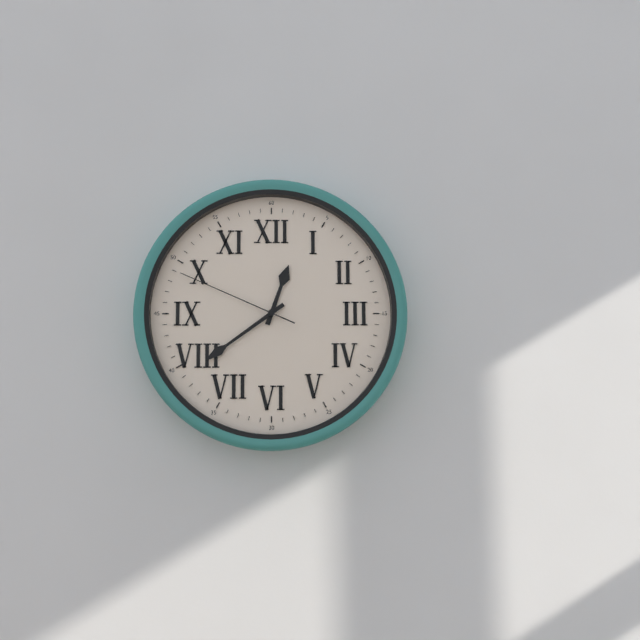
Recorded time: 12:39:49
